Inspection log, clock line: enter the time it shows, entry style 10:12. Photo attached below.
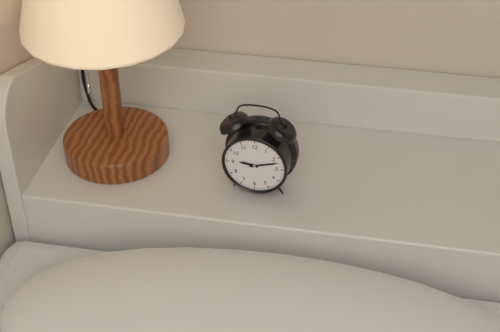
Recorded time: 9:12
